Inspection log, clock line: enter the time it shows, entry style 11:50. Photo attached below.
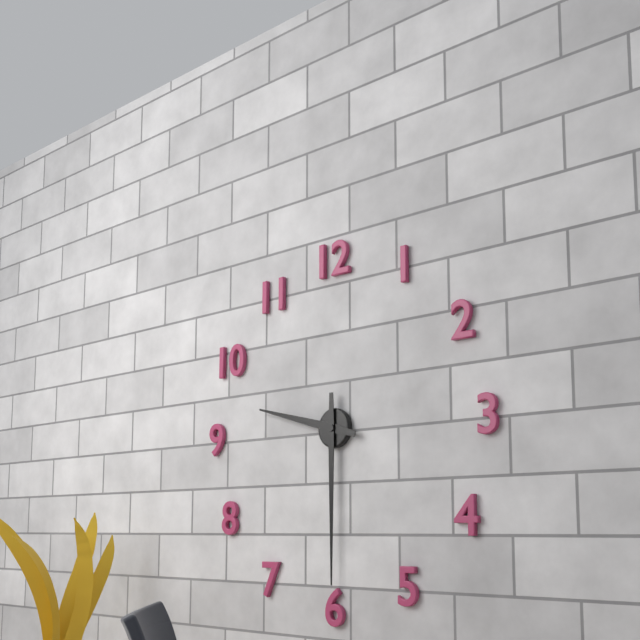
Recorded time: 9:30
